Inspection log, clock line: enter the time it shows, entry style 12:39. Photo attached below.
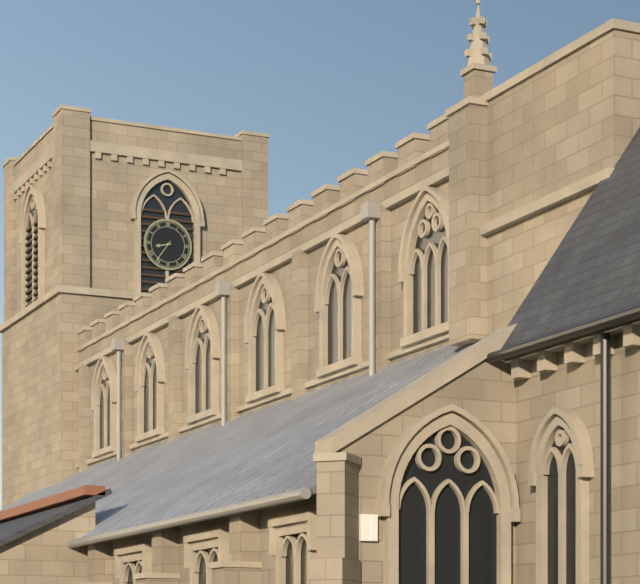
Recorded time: 8:36
